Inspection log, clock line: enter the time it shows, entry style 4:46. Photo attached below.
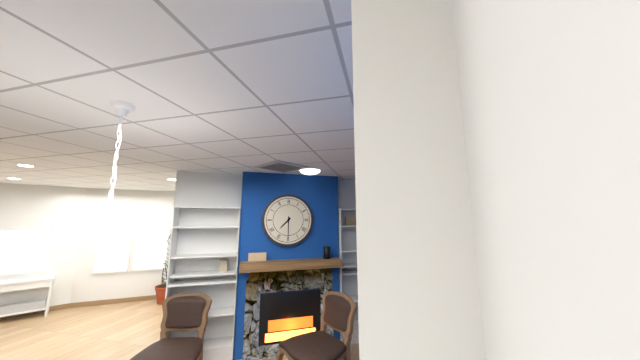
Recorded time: 7:30
